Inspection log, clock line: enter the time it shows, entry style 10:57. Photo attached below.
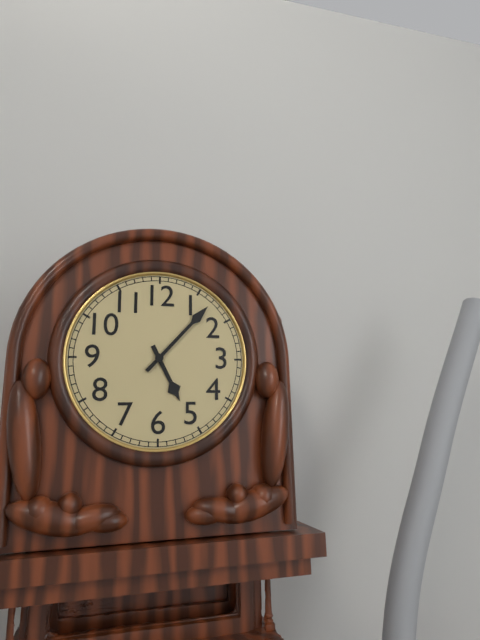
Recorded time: 5:07
